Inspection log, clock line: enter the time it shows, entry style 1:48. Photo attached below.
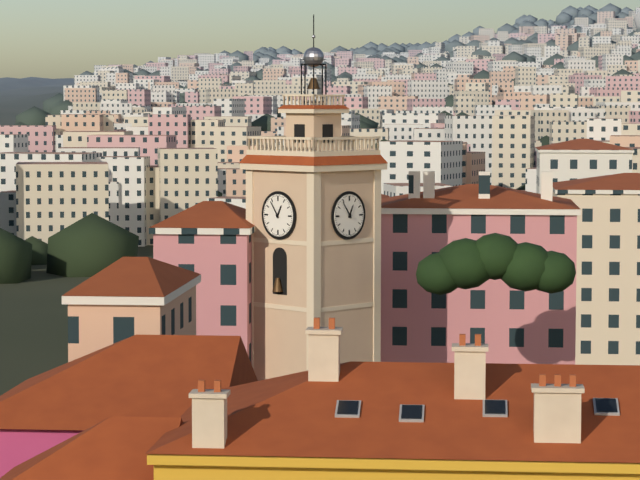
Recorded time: 12:54
